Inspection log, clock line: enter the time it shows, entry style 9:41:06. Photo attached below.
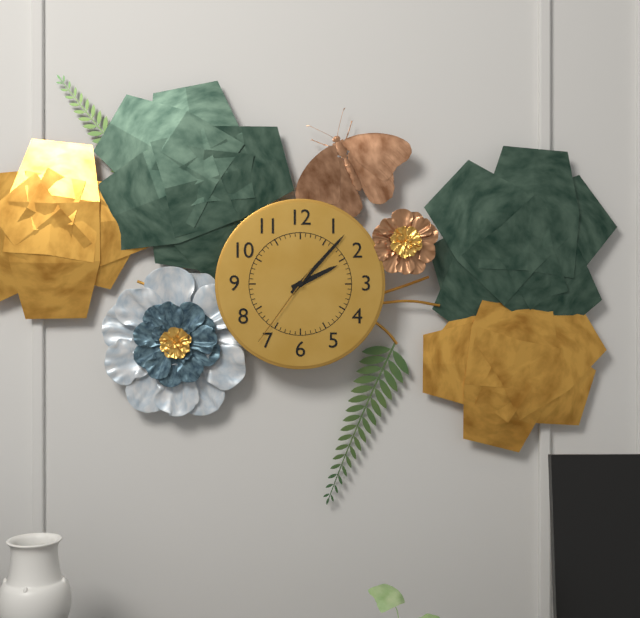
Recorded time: 2:07:36
